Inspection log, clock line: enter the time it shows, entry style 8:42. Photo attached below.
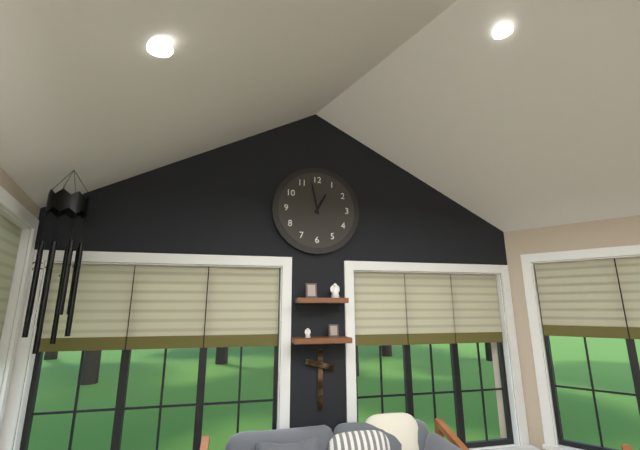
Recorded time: 12:58
